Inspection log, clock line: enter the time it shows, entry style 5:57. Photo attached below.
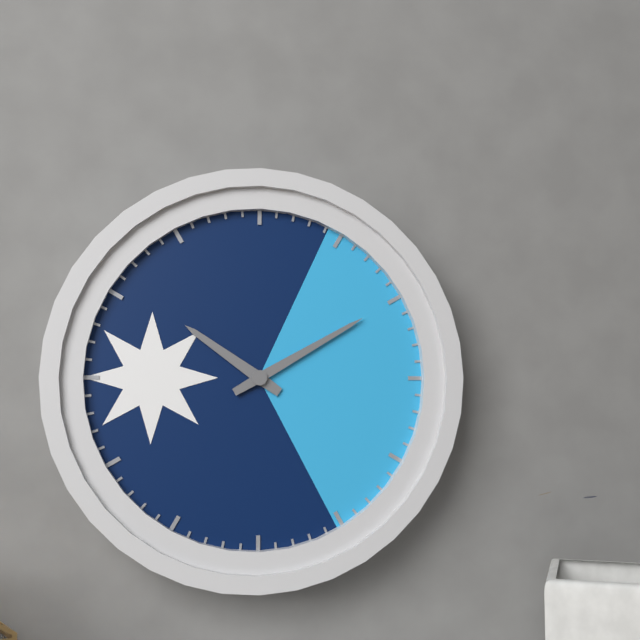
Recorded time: 10:10
